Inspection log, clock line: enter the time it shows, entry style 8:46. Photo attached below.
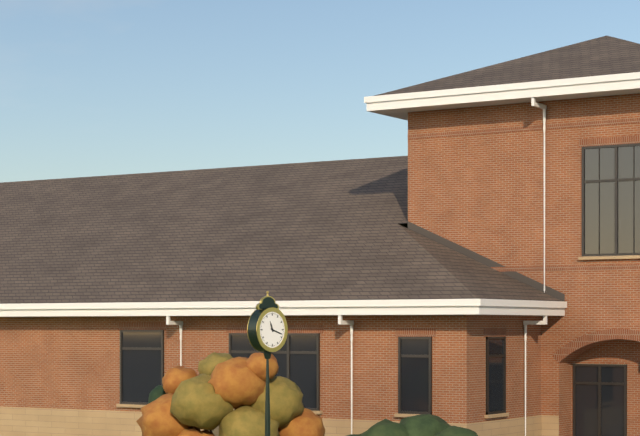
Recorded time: 11:18
